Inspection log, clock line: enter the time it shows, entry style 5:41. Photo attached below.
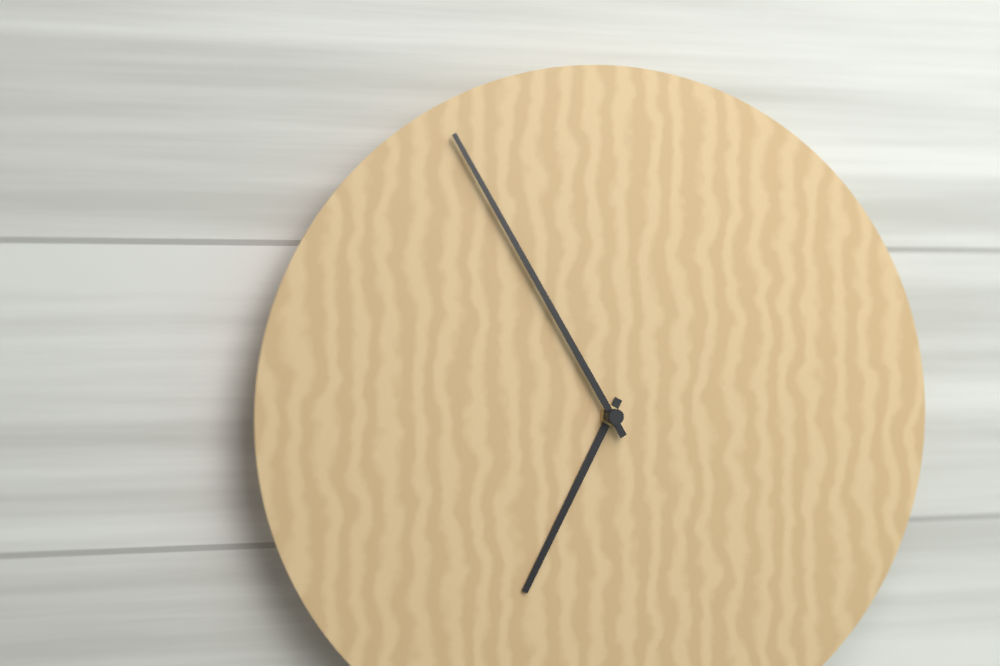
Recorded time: 6:55
